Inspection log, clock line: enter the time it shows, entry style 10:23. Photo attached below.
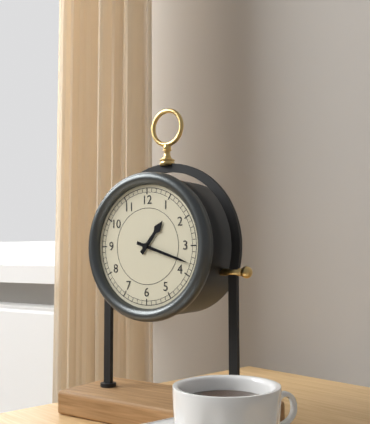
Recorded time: 1:18
